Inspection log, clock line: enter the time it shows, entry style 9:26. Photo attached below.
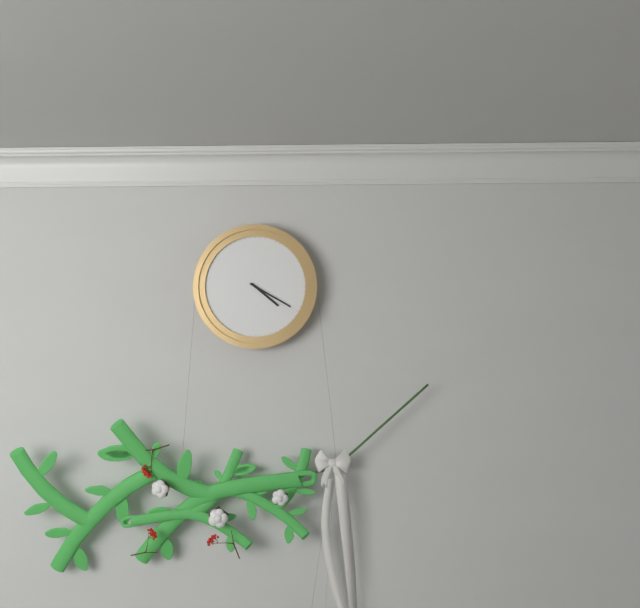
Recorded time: 4:20
